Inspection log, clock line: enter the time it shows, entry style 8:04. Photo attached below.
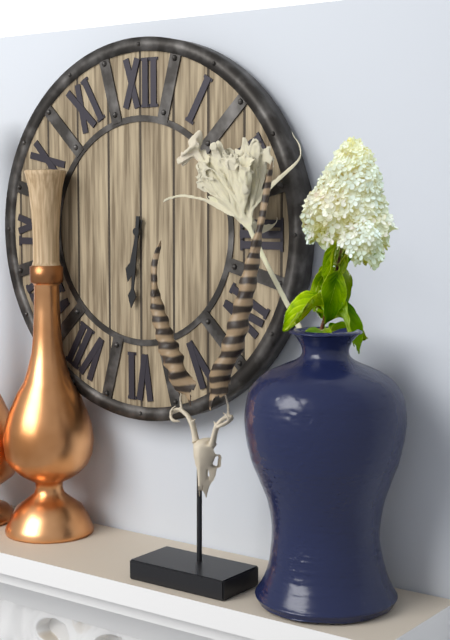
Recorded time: 6:31
